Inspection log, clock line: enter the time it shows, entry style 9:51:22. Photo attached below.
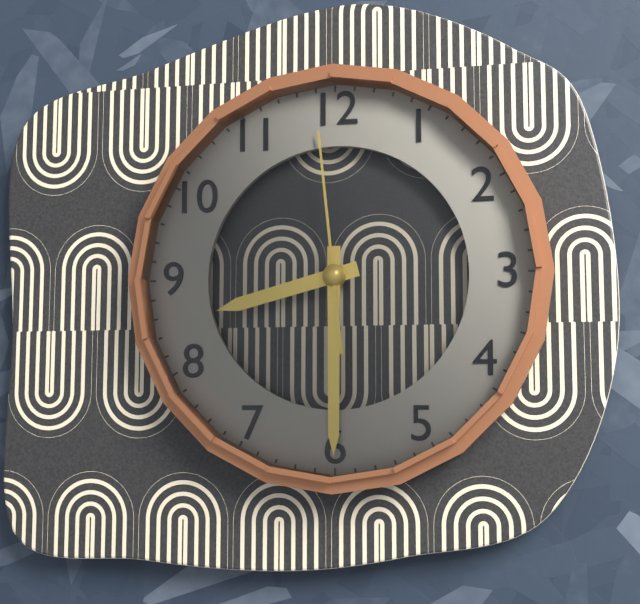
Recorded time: 8:30:59
